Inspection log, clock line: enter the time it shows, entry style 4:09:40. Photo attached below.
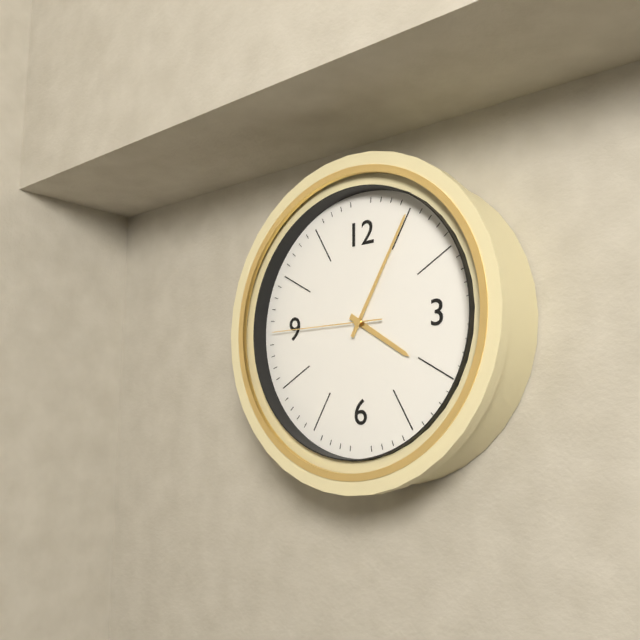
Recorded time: 4:05:45
